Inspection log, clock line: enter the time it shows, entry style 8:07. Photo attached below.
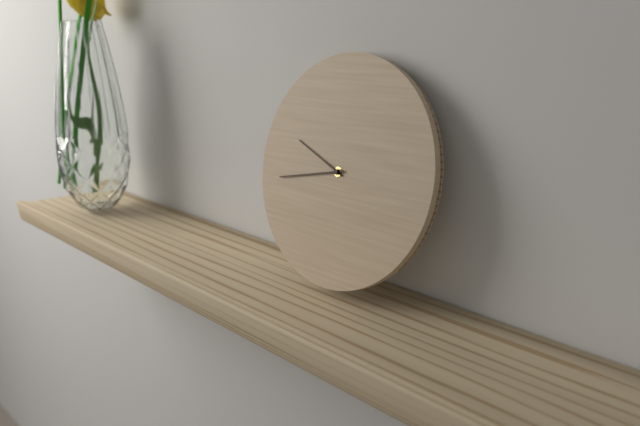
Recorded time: 9:43
